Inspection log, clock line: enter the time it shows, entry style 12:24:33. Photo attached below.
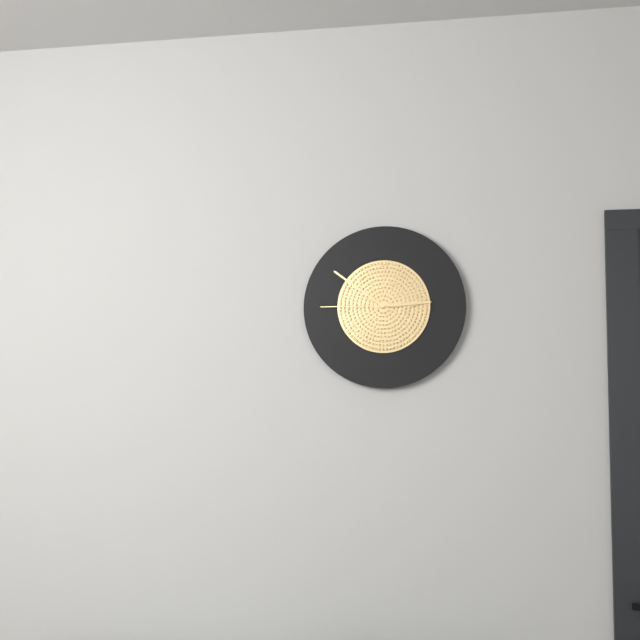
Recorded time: 2:51:45
